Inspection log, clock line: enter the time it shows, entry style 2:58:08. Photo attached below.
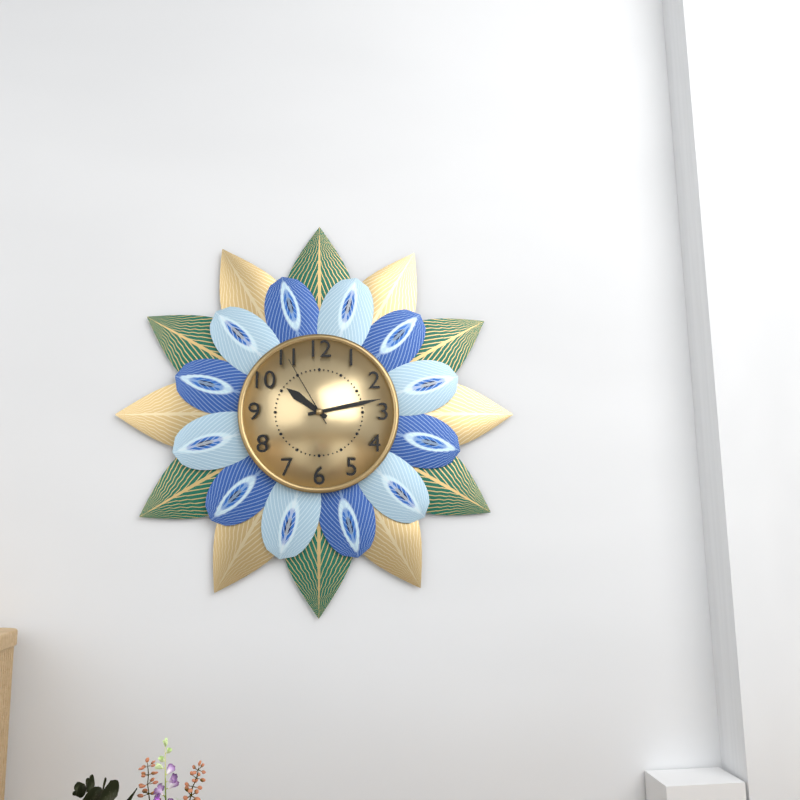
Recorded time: 10:13:55
